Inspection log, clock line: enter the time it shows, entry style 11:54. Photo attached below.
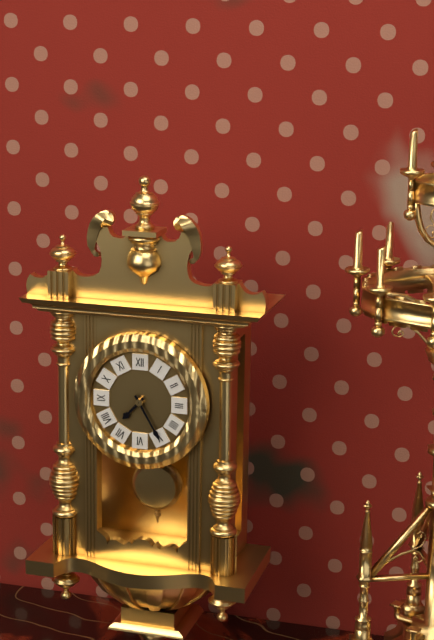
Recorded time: 7:25
